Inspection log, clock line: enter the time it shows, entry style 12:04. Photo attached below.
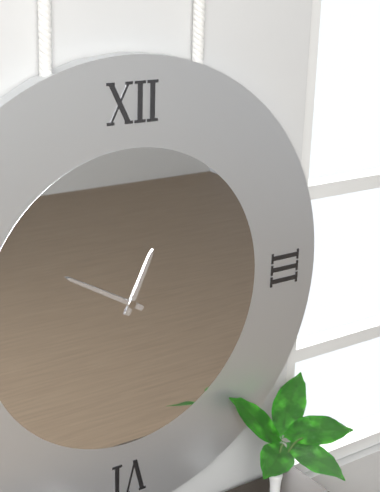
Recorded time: 12:50
